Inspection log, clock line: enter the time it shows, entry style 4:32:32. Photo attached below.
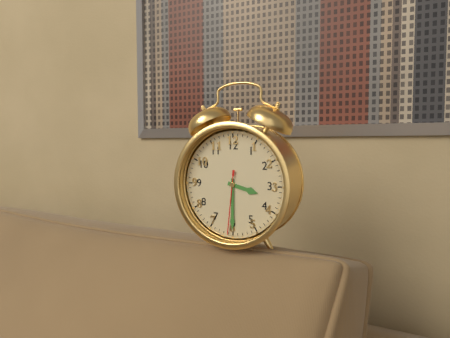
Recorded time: 3:30:31
